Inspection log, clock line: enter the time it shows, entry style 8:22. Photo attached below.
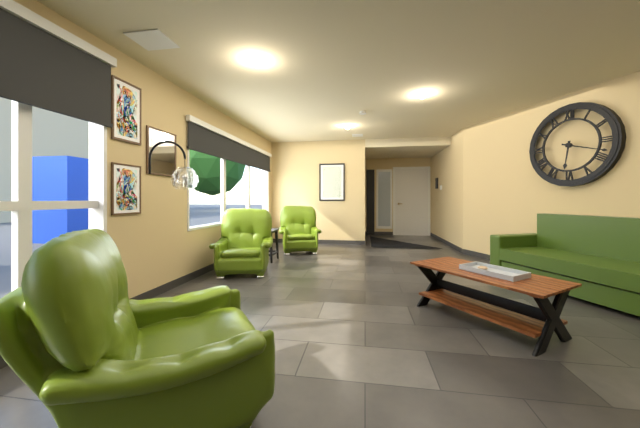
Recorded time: 6:18
